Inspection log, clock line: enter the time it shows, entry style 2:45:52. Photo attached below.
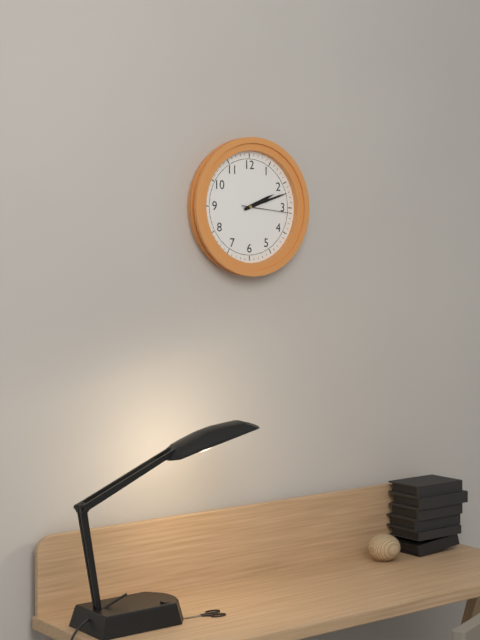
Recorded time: 2:12:16
